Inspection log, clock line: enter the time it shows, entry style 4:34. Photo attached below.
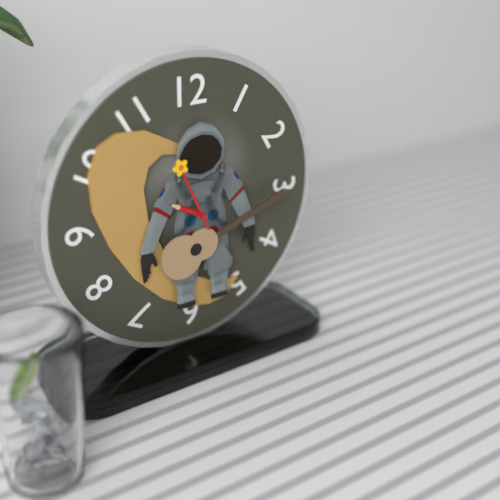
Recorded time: 9:56
